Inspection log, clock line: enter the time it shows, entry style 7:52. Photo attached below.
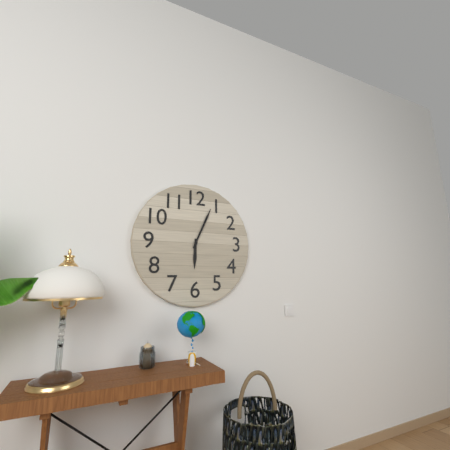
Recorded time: 6:04
